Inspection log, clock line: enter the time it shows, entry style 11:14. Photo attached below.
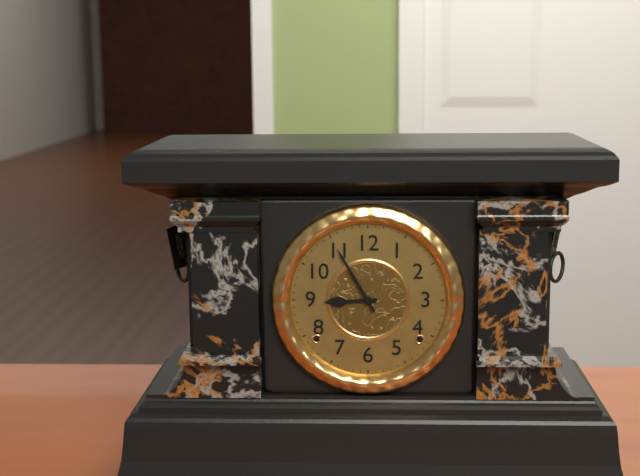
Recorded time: 8:55
